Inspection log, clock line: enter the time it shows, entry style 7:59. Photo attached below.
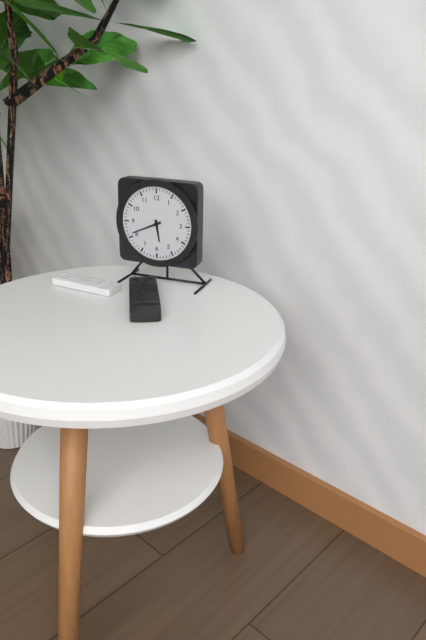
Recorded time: 5:41
